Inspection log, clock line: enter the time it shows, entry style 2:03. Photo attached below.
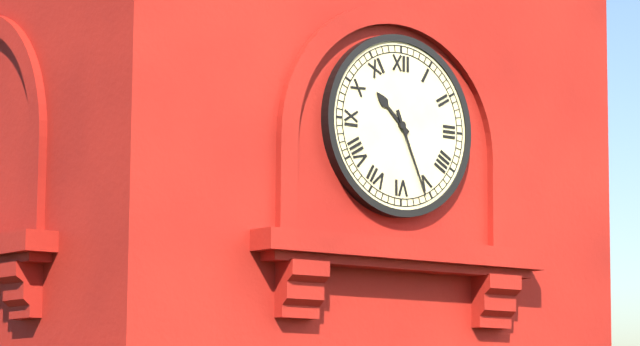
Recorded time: 10:26
